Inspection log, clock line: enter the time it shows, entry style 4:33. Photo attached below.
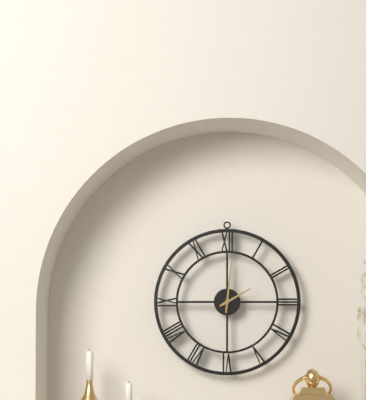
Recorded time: 2:01
